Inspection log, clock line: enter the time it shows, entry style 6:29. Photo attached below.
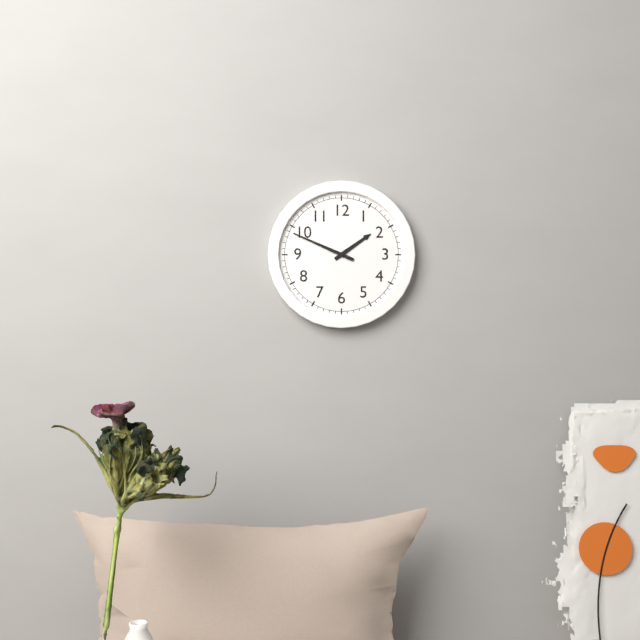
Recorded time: 1:49
